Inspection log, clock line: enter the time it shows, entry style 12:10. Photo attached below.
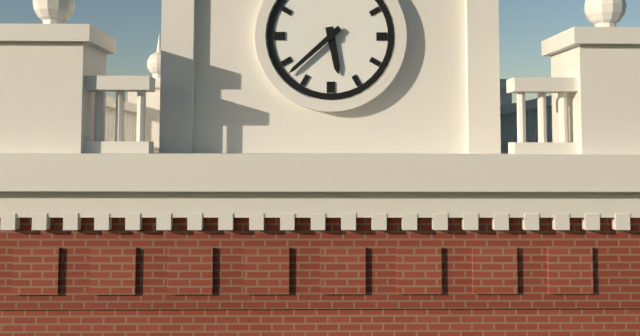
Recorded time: 5:38
